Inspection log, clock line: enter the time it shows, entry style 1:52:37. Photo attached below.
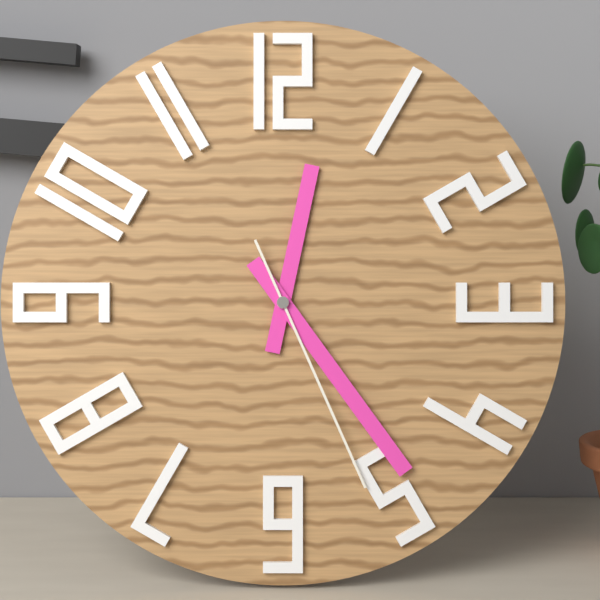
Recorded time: 12:24:26
